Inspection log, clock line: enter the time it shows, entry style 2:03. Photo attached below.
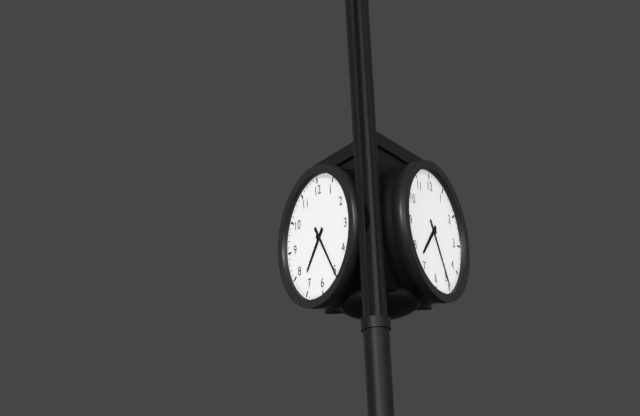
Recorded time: 7:25
